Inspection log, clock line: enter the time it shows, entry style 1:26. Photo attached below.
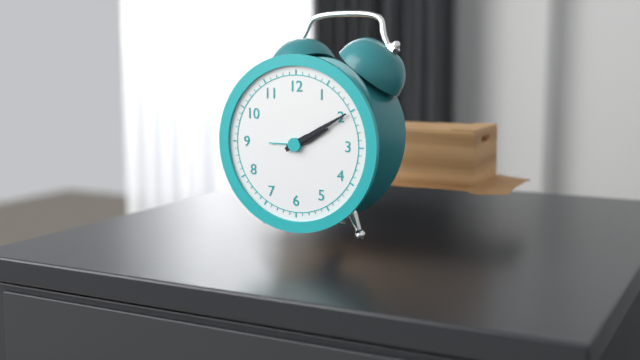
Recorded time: 2:10
